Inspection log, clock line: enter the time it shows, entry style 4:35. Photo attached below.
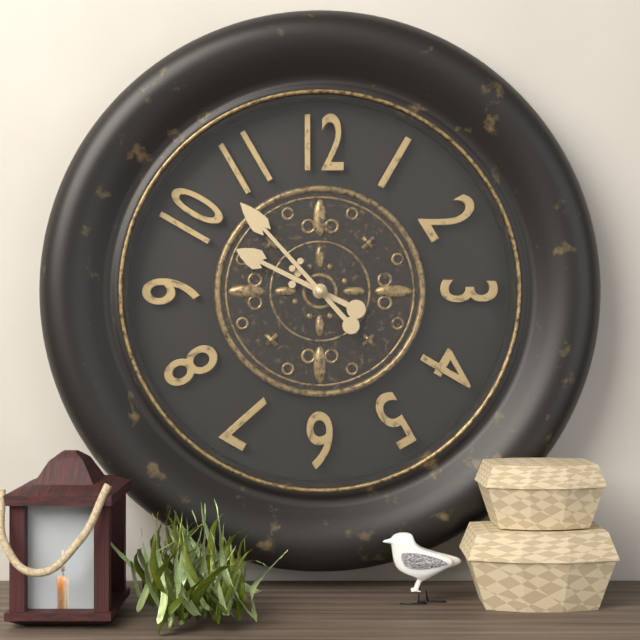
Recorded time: 9:53
